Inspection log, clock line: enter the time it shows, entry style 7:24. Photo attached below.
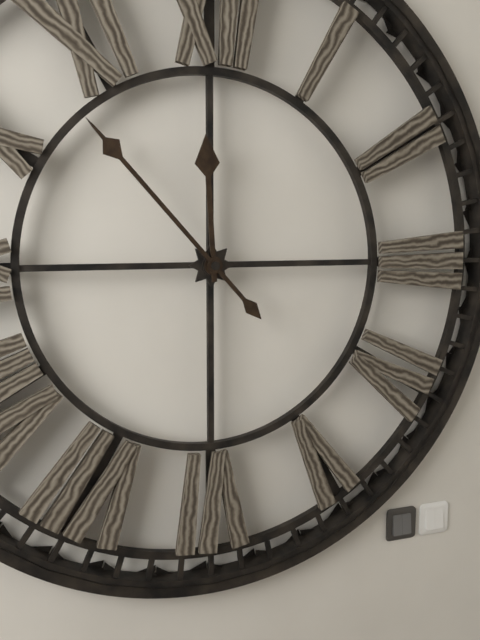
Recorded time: 11:53
